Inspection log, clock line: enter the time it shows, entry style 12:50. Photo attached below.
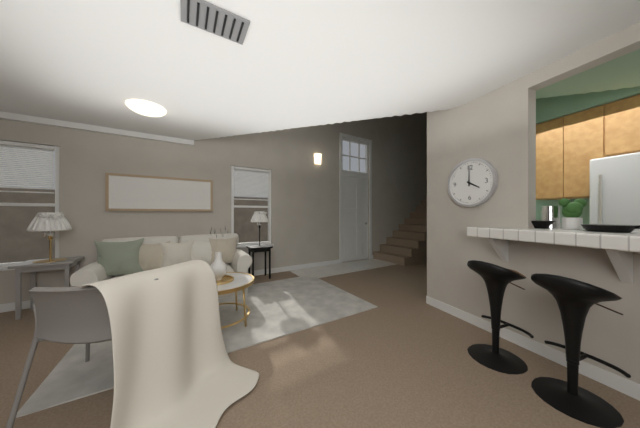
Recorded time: 4:00
